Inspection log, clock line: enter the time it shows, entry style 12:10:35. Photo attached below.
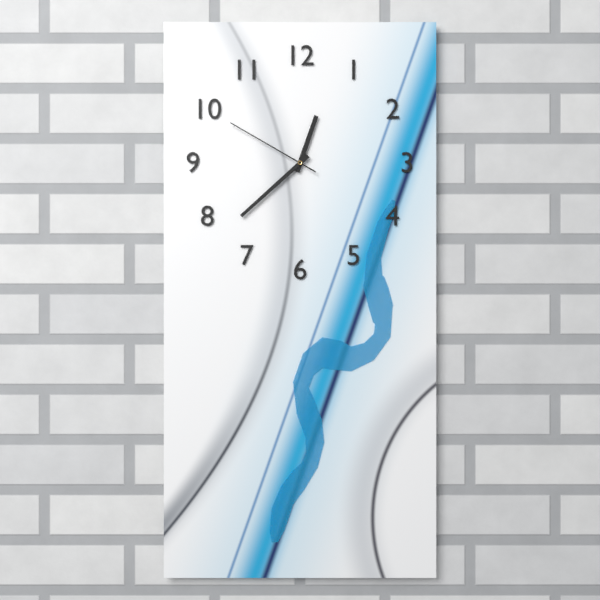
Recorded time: 12:38:50
